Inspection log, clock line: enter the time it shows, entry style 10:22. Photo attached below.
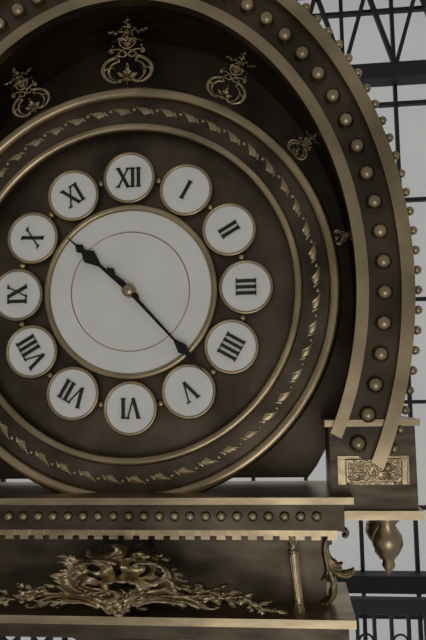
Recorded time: 10:23
